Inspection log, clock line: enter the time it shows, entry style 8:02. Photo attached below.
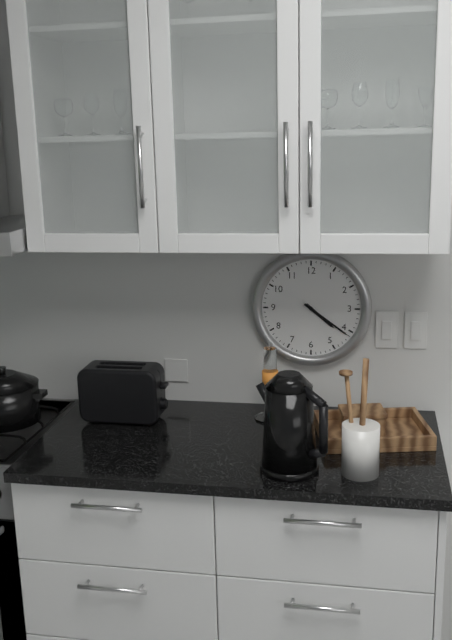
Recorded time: 4:21
